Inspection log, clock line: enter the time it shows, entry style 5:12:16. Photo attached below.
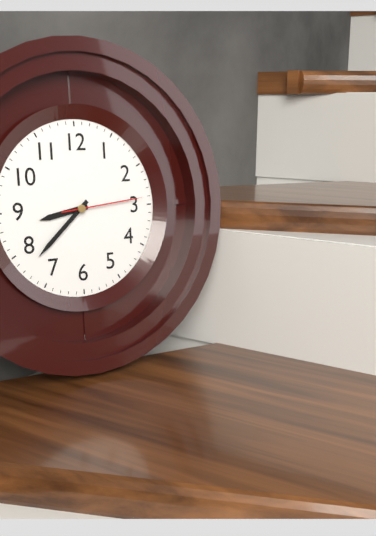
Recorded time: 8:38:14
